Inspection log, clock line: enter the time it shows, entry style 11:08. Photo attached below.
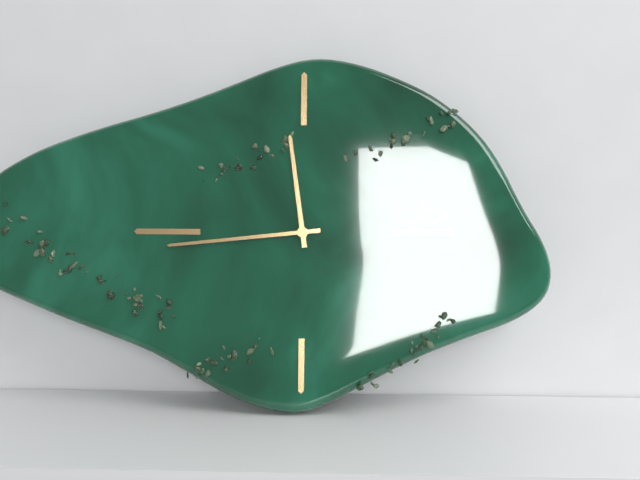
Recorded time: 11:44
